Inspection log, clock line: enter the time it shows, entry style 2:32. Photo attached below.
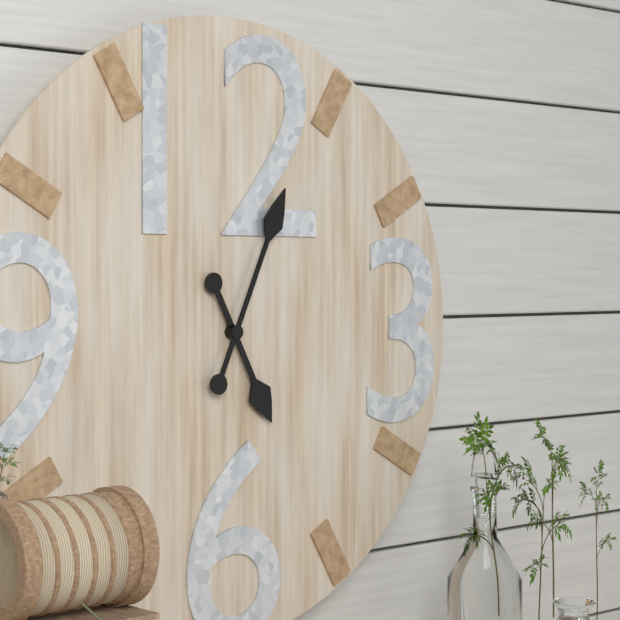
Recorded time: 5:04
